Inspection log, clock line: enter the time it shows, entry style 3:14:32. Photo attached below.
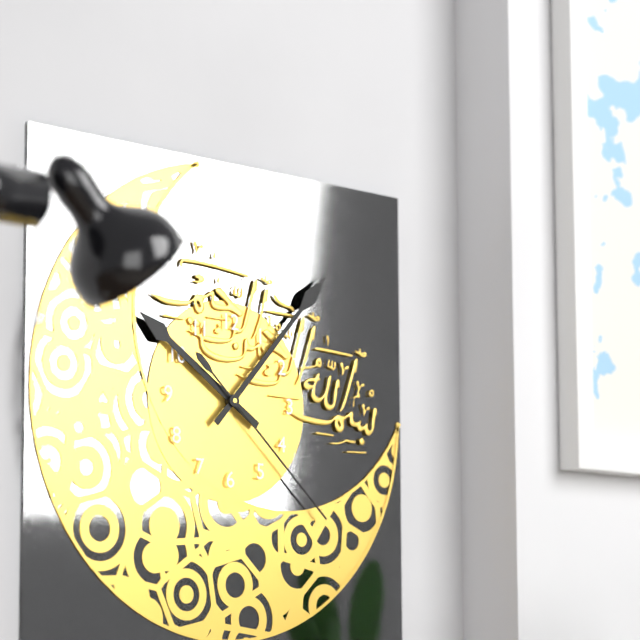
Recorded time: 10:07:22
